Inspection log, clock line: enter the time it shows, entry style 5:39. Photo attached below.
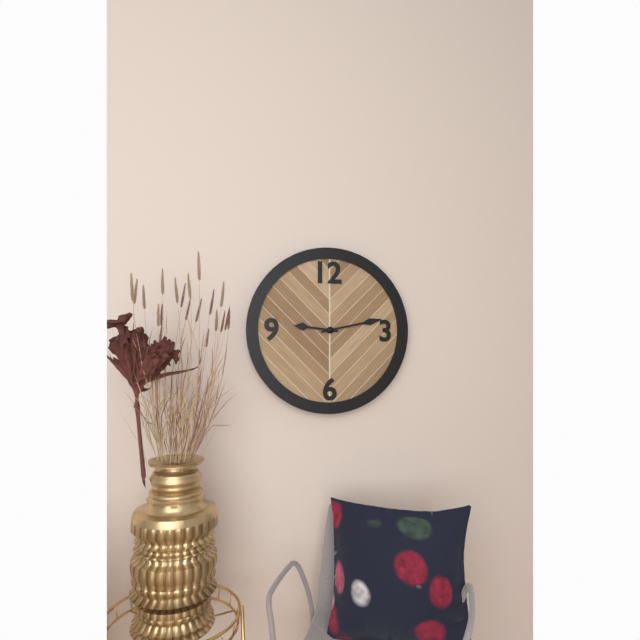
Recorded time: 9:13
